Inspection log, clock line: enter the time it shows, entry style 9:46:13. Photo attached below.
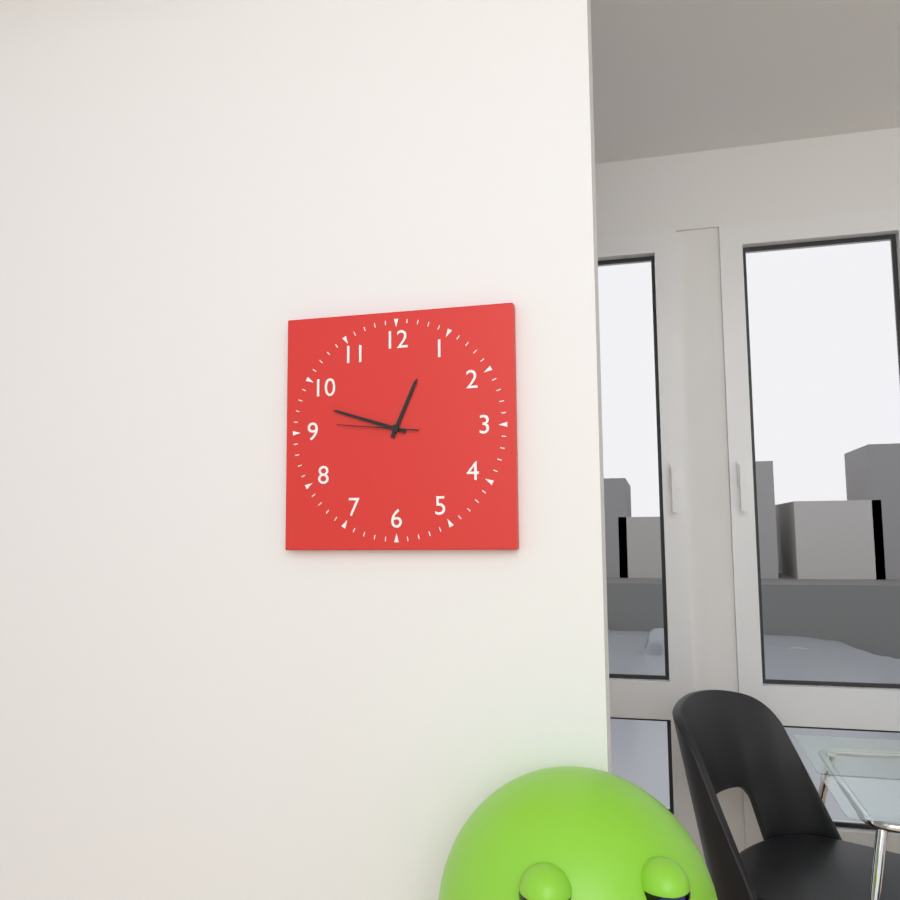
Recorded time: 12:48:46
